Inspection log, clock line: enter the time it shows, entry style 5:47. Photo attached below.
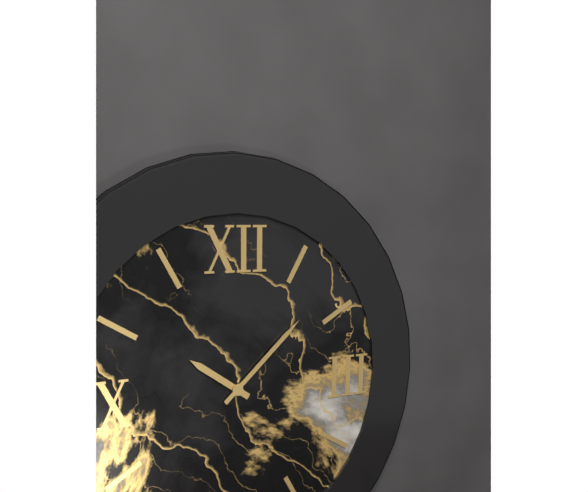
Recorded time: 10:08
